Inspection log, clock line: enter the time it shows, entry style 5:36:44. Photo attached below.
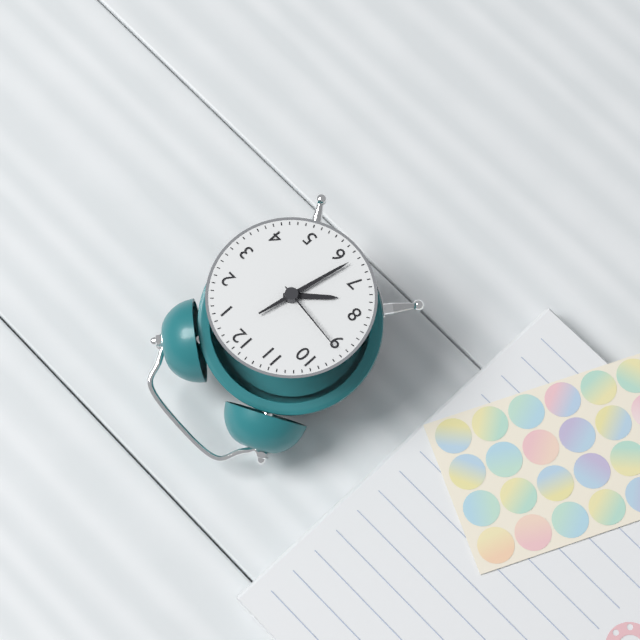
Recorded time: 7:32:46
